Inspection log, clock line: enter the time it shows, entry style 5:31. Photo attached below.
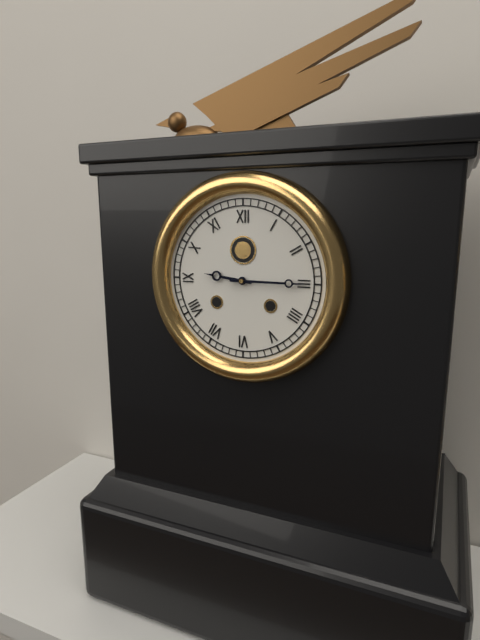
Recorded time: 9:15
